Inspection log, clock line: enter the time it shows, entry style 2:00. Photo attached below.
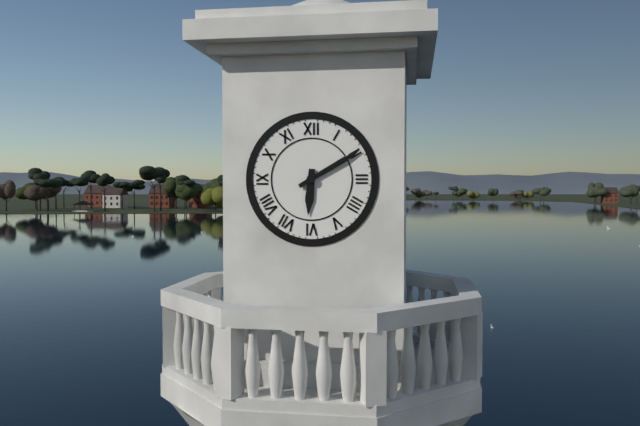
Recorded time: 6:10
